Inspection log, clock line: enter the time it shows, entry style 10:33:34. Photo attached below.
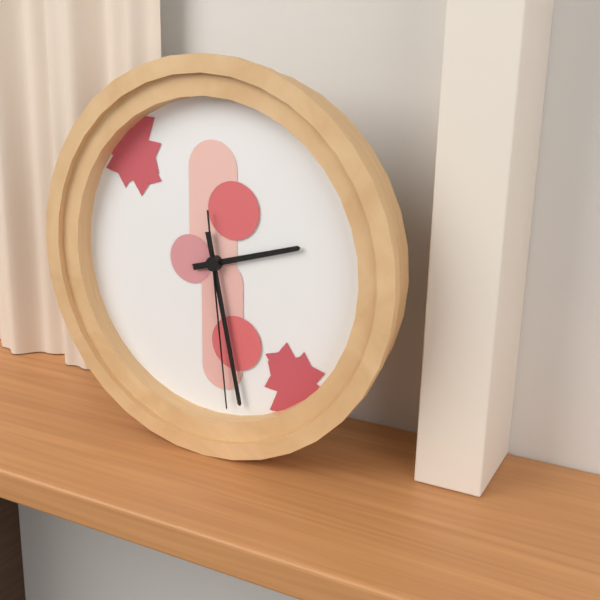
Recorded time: 2:28:29
